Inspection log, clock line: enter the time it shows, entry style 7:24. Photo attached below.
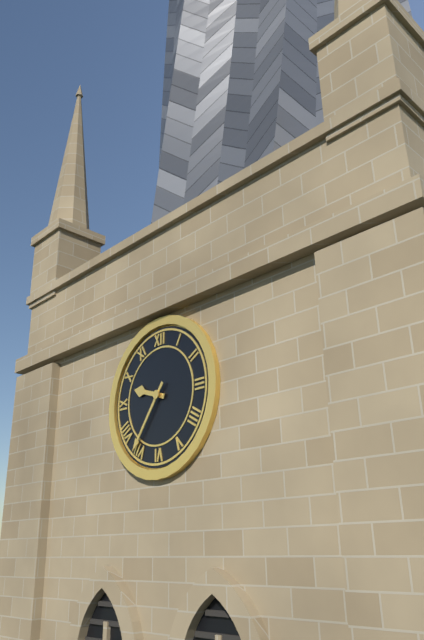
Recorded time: 9:36
